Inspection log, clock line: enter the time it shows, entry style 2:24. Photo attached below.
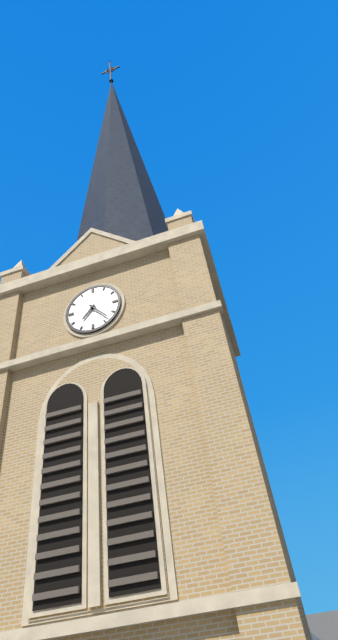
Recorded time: 7:23
